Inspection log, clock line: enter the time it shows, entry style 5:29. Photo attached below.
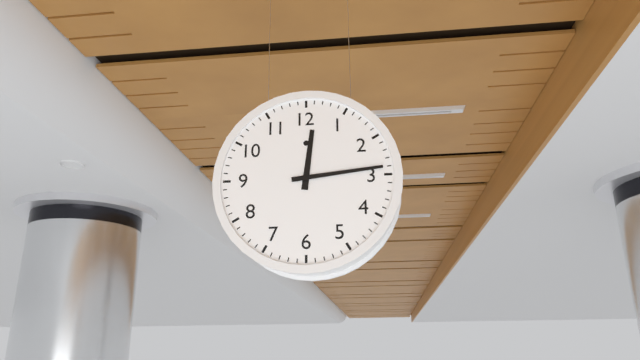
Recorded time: 12:14
